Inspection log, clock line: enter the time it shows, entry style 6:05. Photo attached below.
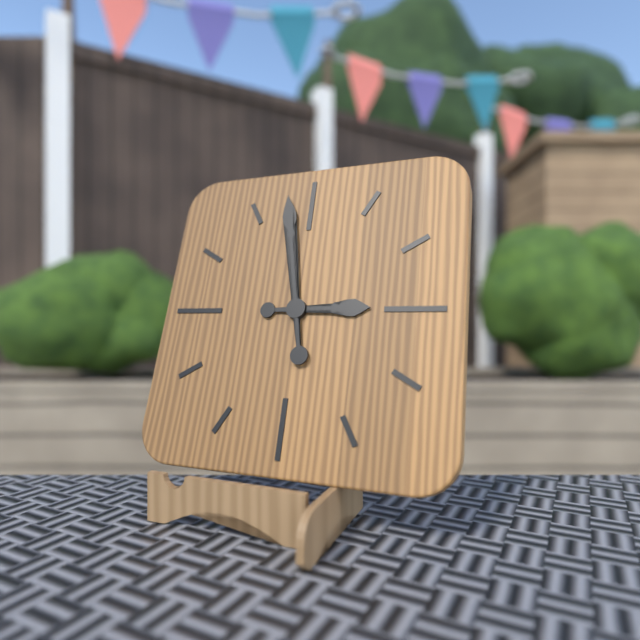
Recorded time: 2:58
